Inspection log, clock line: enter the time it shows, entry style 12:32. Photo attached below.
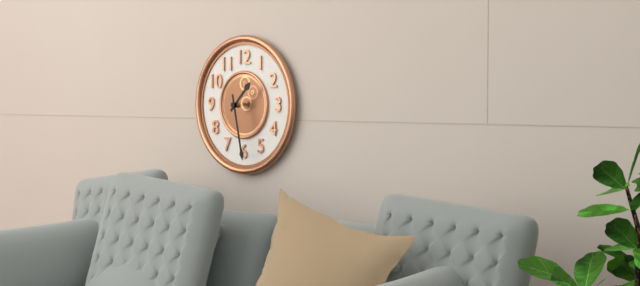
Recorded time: 1:28
